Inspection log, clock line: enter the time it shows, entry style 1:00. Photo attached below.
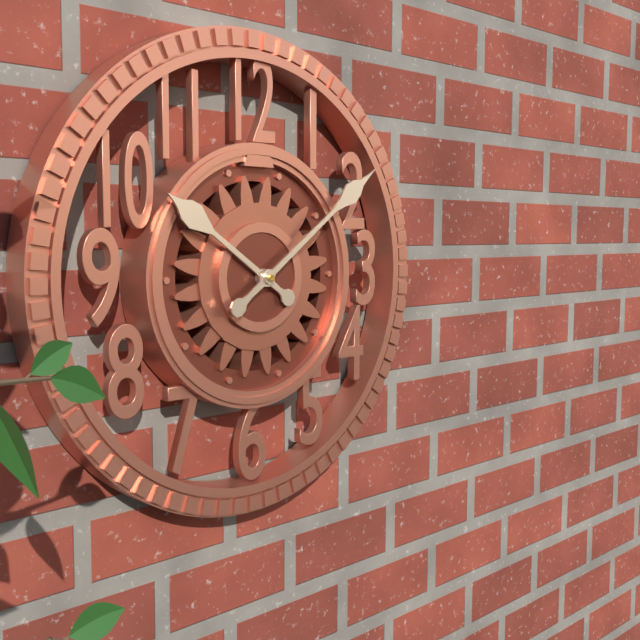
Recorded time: 10:09
